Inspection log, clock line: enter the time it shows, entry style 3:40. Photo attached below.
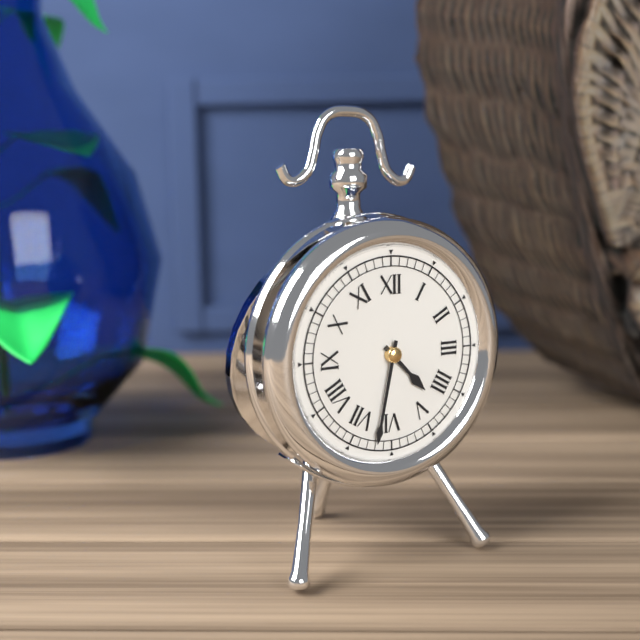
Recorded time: 4:32
